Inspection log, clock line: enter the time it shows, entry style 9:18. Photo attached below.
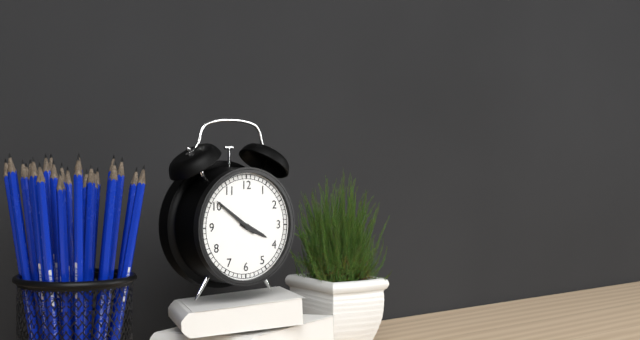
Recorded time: 3:51
